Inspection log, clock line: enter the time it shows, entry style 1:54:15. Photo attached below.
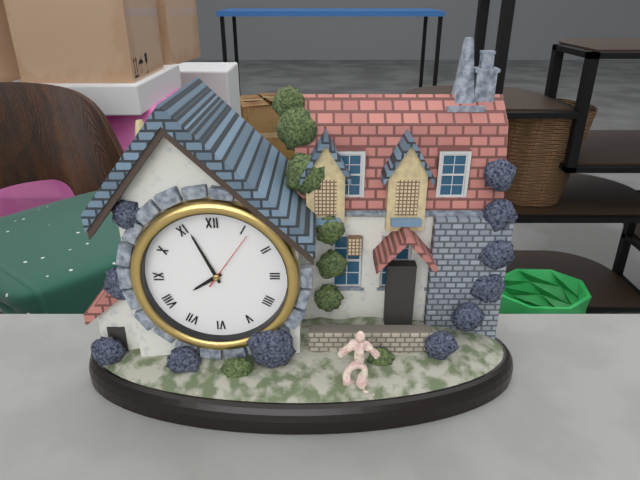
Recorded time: 7:56:06
